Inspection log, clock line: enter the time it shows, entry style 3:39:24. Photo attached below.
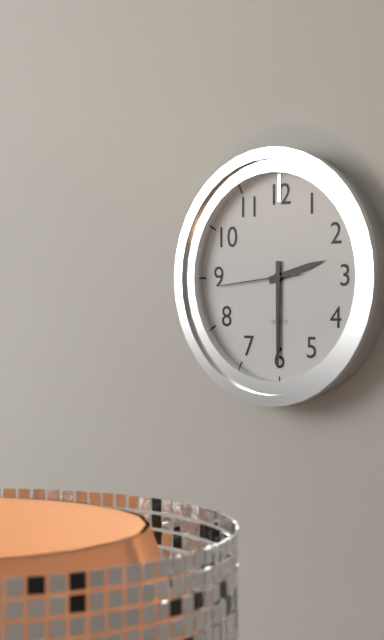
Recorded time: 2:30:44
